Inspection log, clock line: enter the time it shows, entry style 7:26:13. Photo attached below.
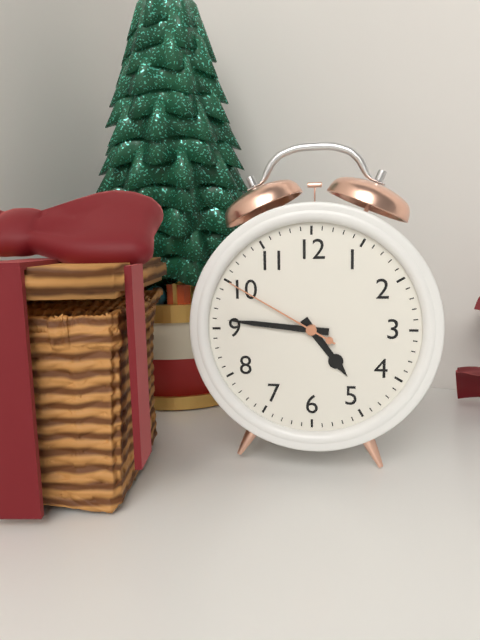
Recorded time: 4:46:50
